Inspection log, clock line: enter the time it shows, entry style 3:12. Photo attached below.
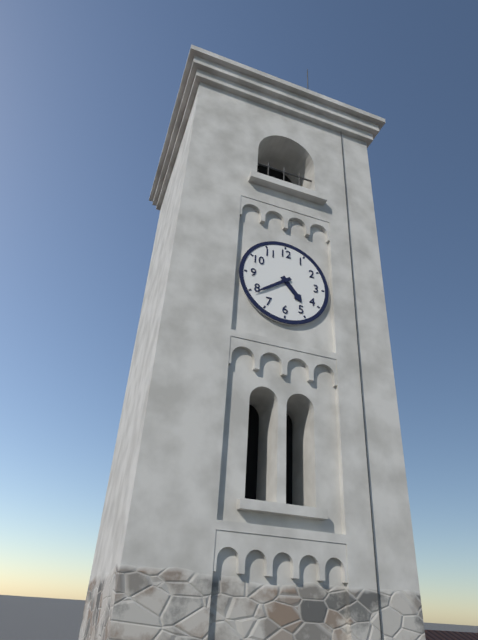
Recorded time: 4:39
